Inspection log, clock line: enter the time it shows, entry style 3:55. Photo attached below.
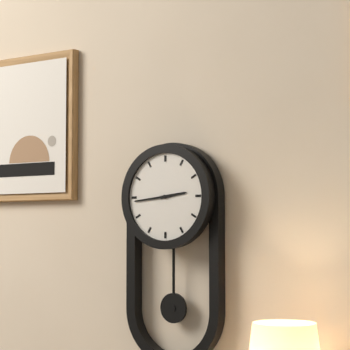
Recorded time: 2:44
